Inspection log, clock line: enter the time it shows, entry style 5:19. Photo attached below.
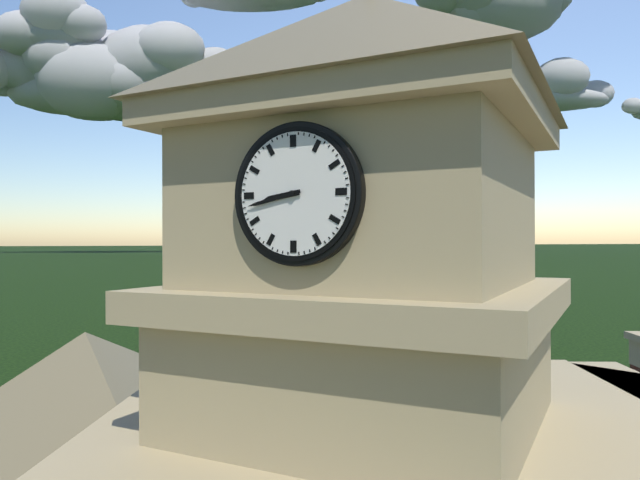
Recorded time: 8:43
